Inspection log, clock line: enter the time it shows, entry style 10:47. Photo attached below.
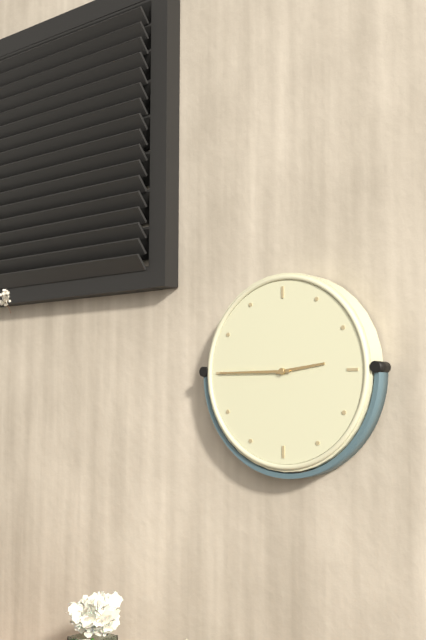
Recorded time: 2:45
